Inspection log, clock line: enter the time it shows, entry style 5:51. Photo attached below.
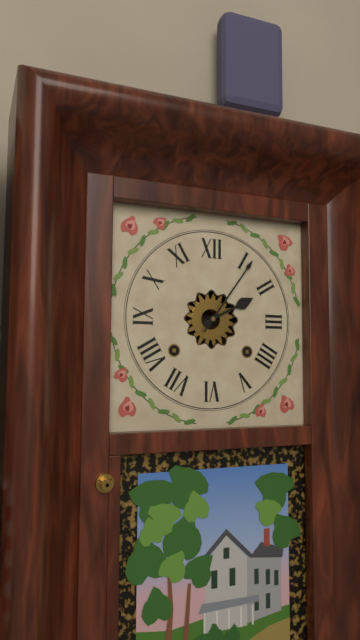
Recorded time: 2:06
